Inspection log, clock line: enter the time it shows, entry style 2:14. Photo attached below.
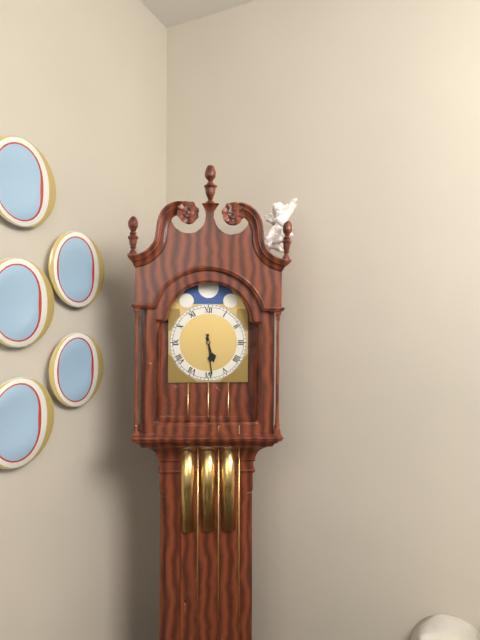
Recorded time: 5:29
